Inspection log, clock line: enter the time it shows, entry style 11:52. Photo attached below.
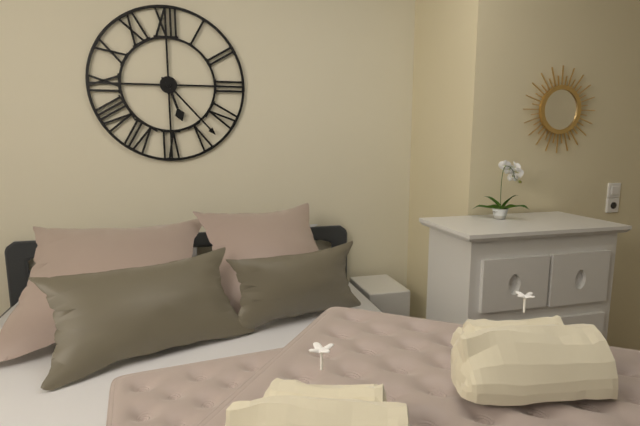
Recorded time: 5:23
